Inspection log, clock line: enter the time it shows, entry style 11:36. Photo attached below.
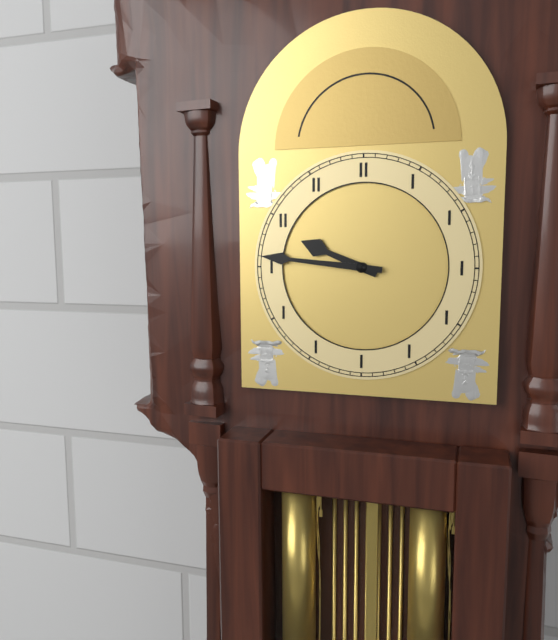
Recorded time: 9:46
